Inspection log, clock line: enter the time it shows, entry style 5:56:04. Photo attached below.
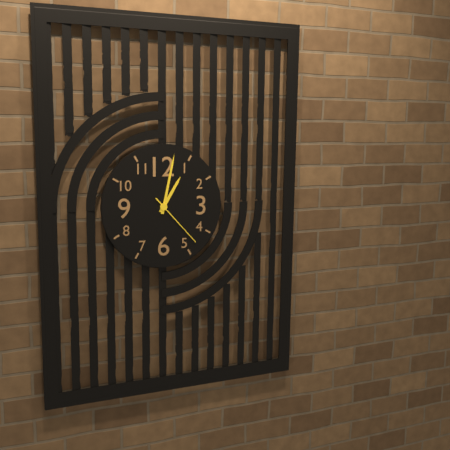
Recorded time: 1:02:23
